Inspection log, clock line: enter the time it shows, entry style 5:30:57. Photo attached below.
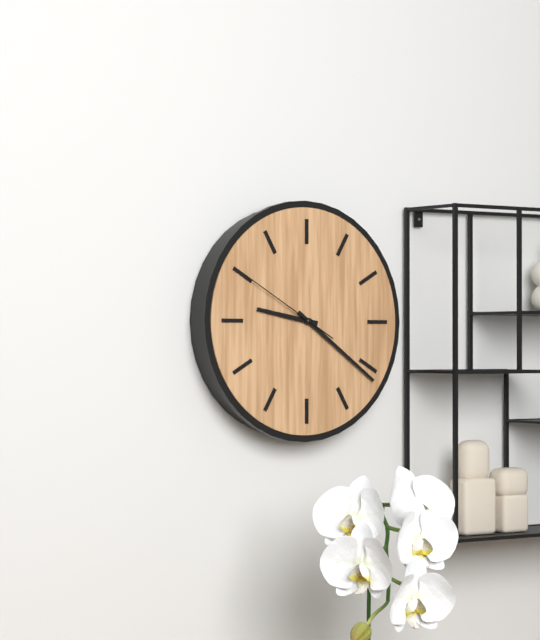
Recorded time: 9:21:50
